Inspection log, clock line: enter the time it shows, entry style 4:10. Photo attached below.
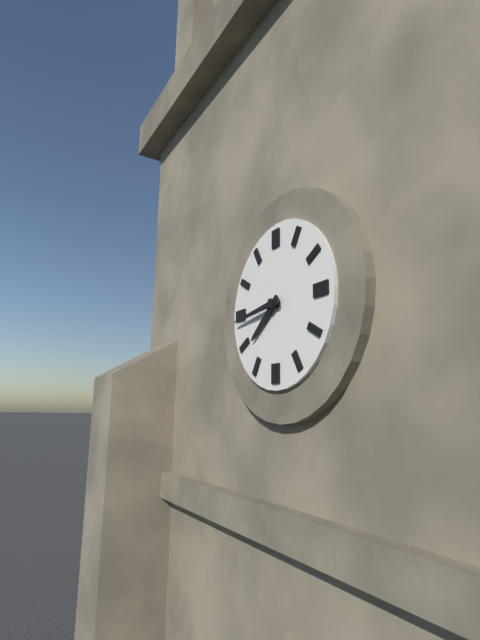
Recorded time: 7:44
